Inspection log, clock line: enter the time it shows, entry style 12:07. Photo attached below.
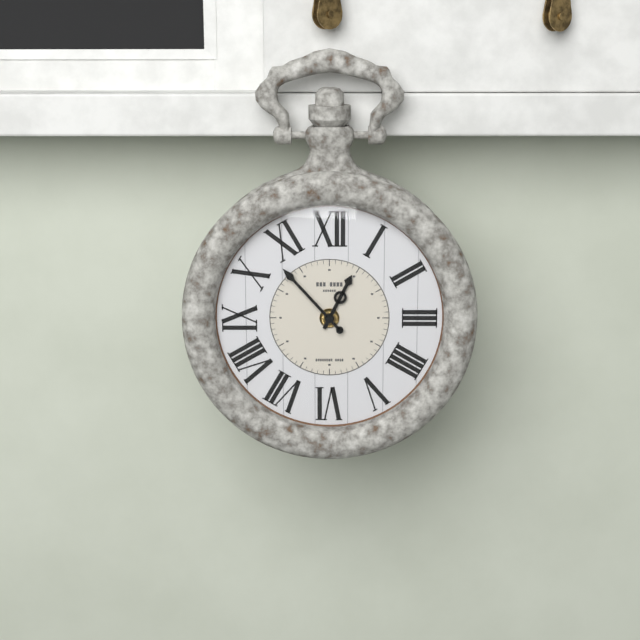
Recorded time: 12:53
